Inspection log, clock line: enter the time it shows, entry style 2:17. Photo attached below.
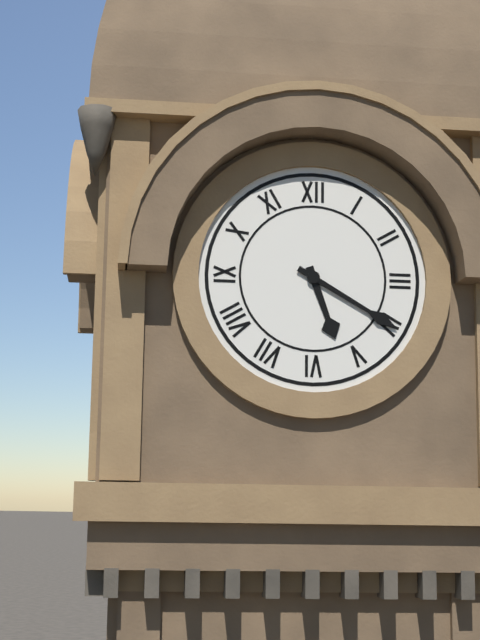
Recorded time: 5:20
